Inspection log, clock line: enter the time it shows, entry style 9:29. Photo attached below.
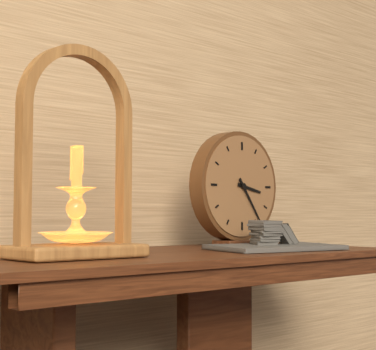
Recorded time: 3:24
